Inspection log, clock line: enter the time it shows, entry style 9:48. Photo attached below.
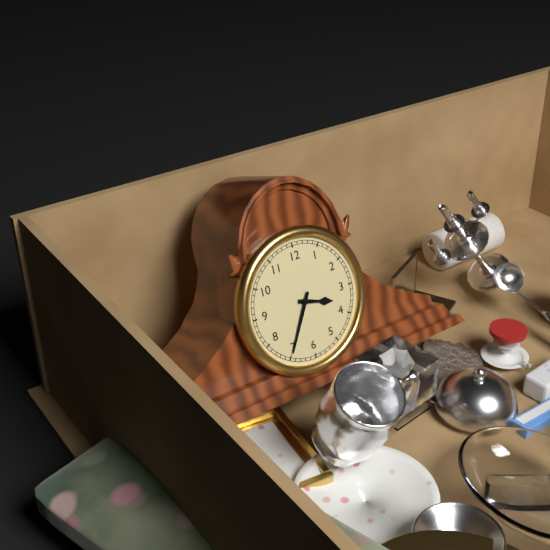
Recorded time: 3:35
